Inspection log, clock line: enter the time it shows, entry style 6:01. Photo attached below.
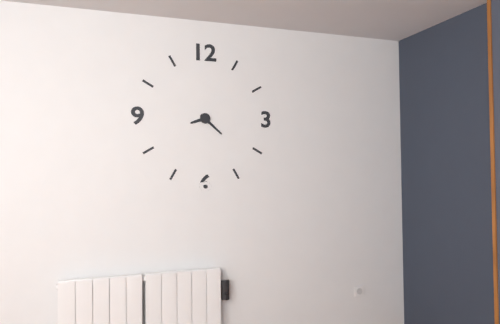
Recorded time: 8:22
